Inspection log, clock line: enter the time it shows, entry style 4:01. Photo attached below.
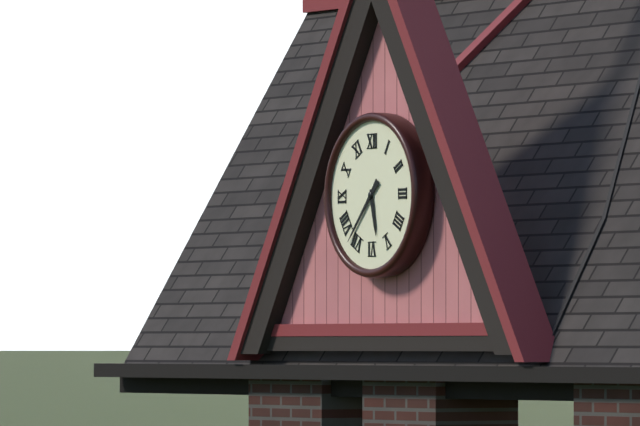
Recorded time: 5:37
